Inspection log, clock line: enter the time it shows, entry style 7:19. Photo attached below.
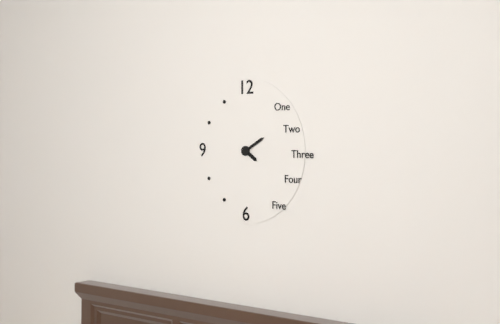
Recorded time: 4:10
